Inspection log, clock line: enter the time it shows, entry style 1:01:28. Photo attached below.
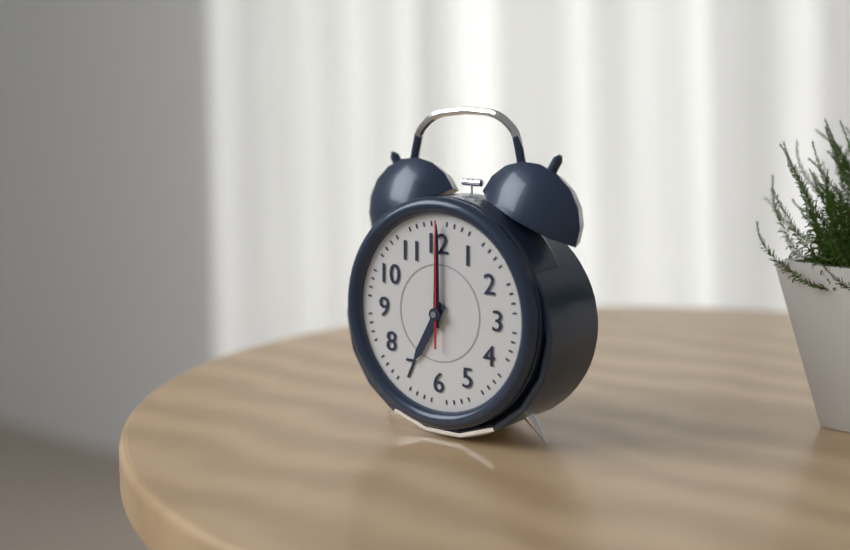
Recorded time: 7:00:00
